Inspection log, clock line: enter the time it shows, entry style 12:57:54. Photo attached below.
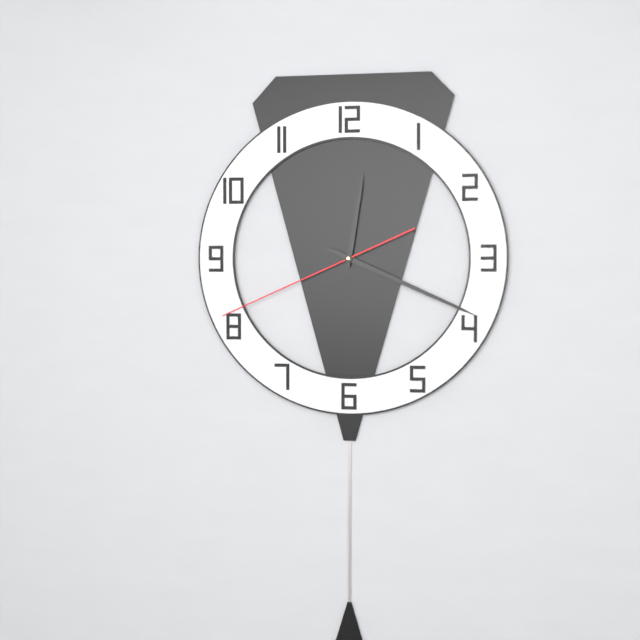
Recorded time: 12:19:41
